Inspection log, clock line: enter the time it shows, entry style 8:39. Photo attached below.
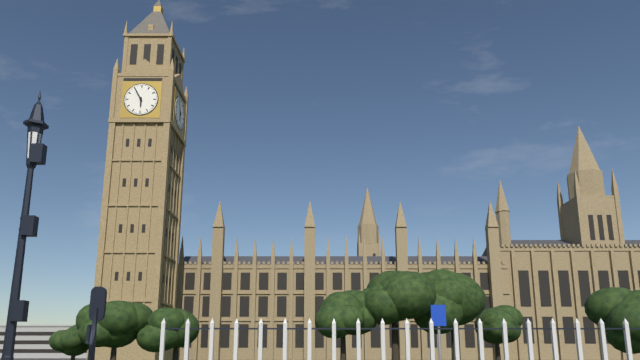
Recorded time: 5:55
